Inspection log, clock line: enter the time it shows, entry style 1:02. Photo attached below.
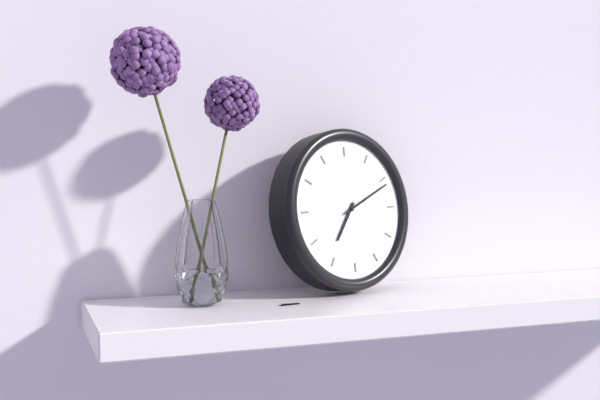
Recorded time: 7:11
